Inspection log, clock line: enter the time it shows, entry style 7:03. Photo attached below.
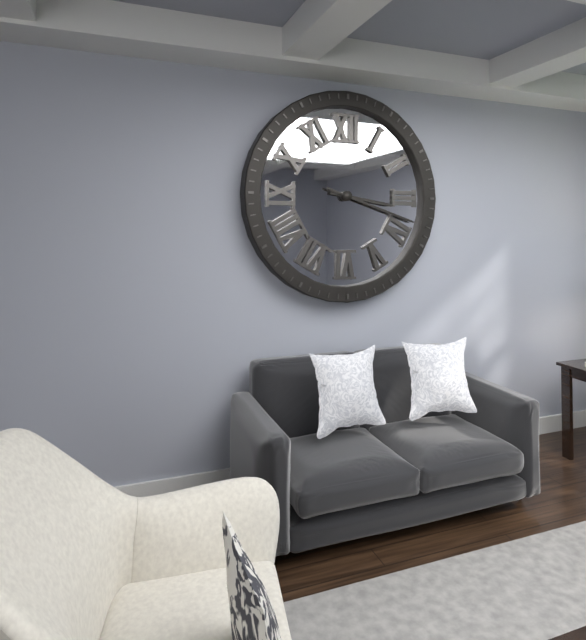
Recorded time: 3:18
